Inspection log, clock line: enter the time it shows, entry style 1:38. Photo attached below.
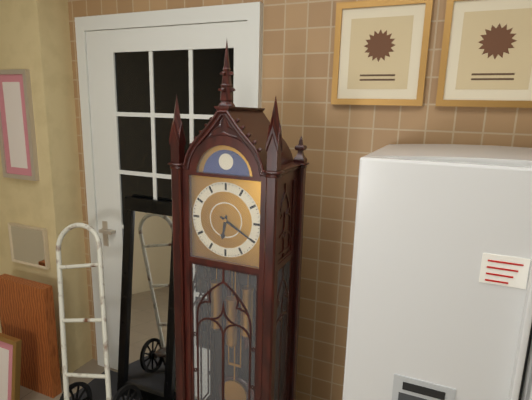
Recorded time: 6:20
